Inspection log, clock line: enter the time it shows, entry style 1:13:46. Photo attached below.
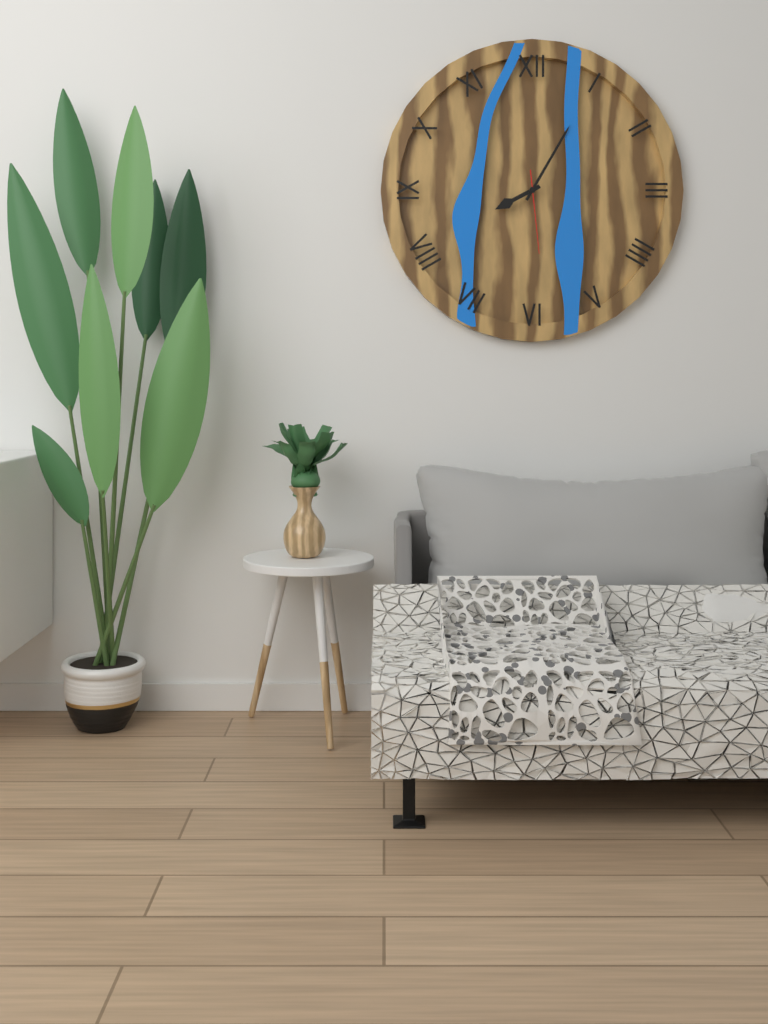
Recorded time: 8:05:29
